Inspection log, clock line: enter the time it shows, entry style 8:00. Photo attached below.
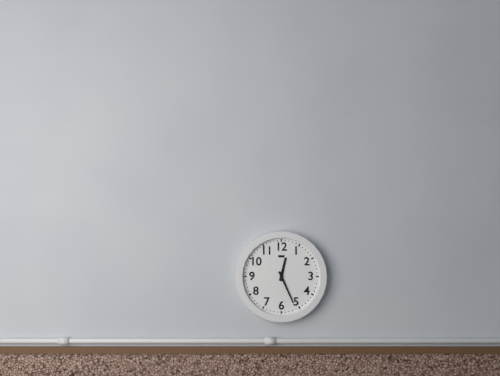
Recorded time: 12:26
